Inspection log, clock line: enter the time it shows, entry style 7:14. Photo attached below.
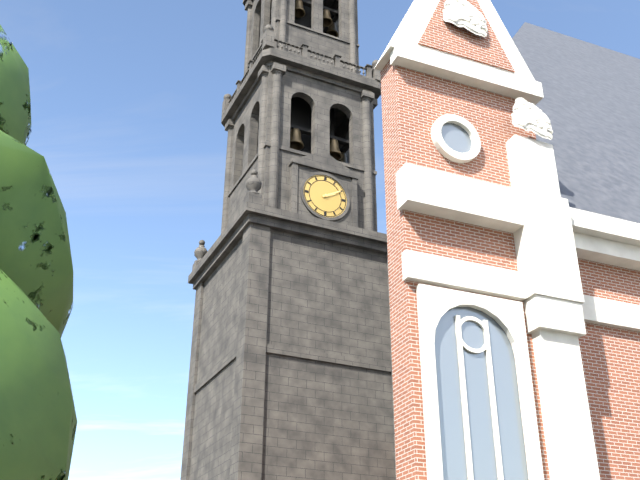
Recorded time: 2:10
